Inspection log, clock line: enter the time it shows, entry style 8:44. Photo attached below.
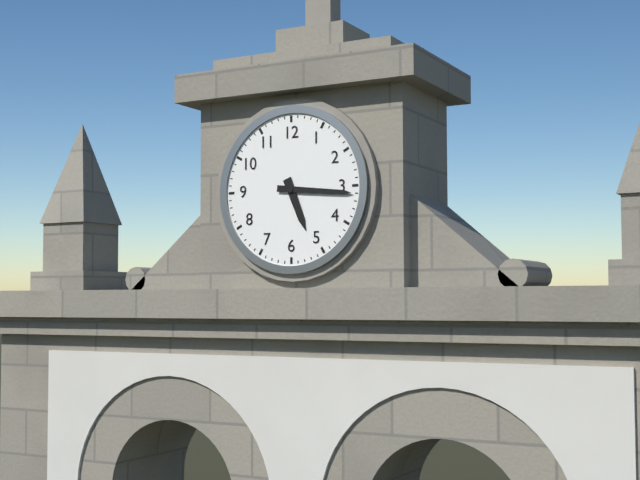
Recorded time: 5:16
